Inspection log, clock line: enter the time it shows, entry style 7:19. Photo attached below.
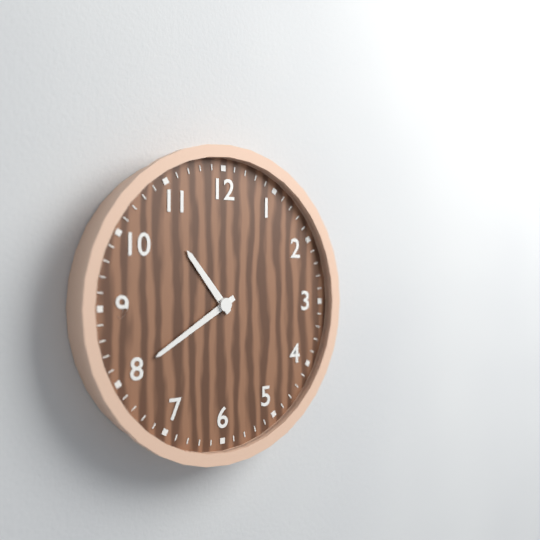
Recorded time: 10:40
